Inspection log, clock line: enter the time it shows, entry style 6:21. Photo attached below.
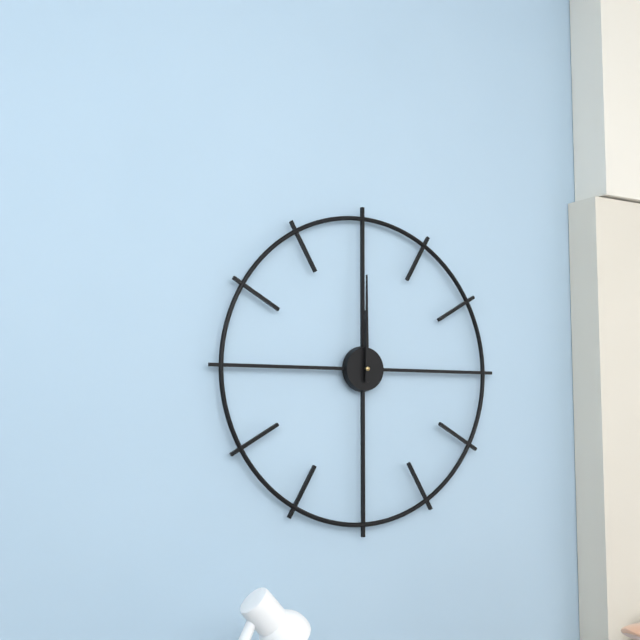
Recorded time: 12:00
